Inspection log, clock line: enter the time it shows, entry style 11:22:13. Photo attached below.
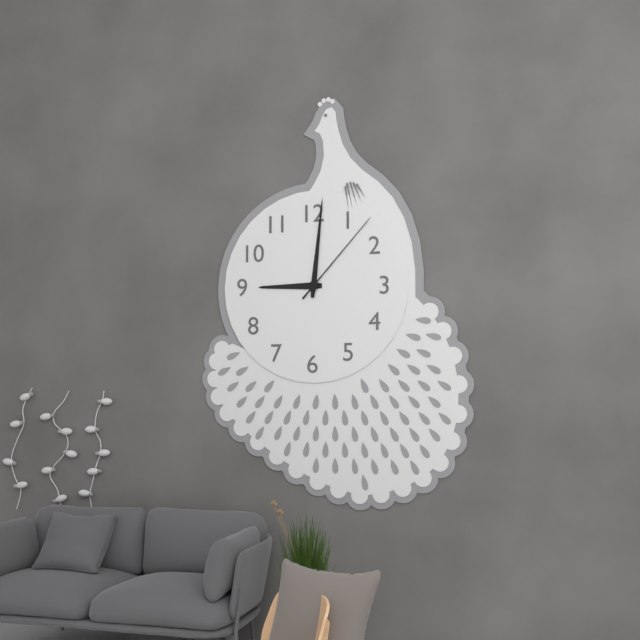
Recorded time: 9:01:07
